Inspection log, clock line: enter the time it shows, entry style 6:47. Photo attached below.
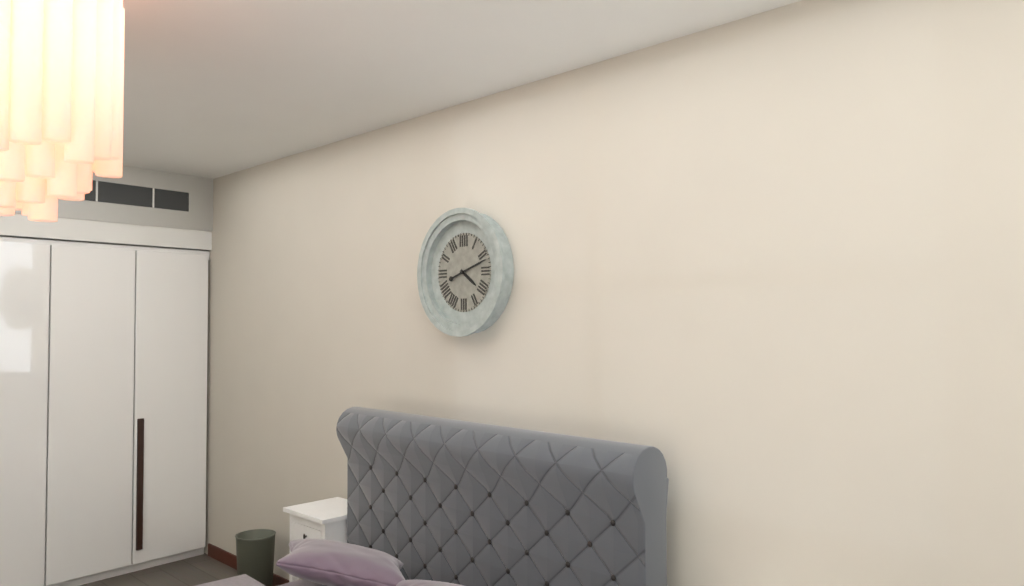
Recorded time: 4:12
